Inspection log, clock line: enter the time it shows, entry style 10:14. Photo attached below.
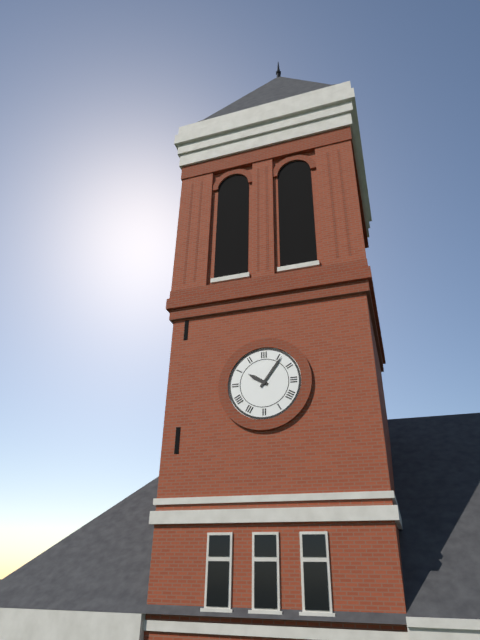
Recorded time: 10:06
